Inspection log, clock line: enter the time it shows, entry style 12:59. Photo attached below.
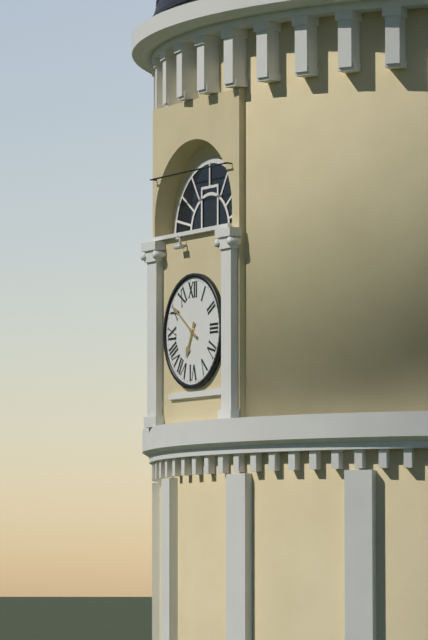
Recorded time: 6:51
